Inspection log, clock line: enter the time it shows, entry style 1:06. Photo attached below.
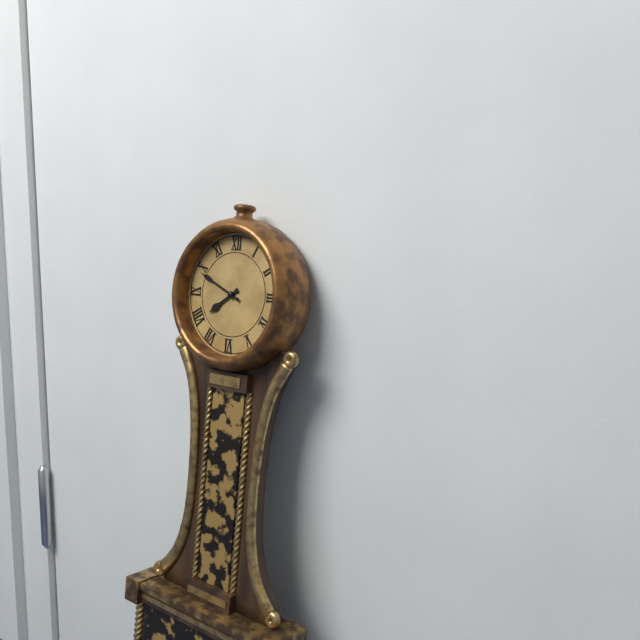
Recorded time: 7:49
